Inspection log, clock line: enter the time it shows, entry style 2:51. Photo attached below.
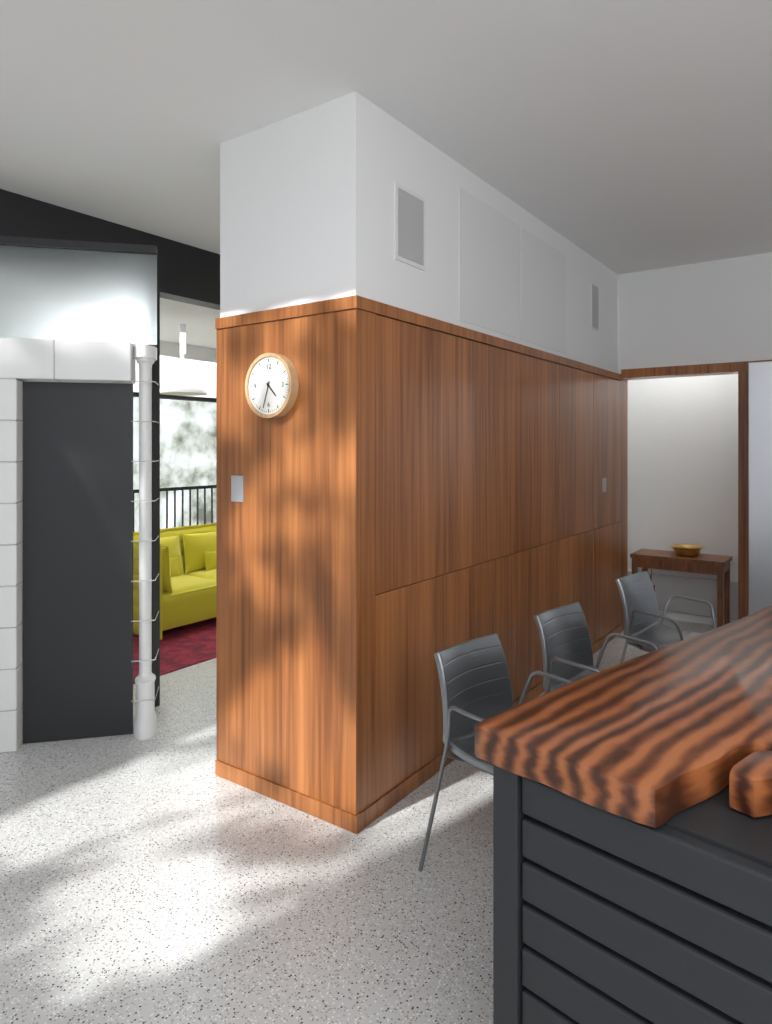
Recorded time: 4:33
